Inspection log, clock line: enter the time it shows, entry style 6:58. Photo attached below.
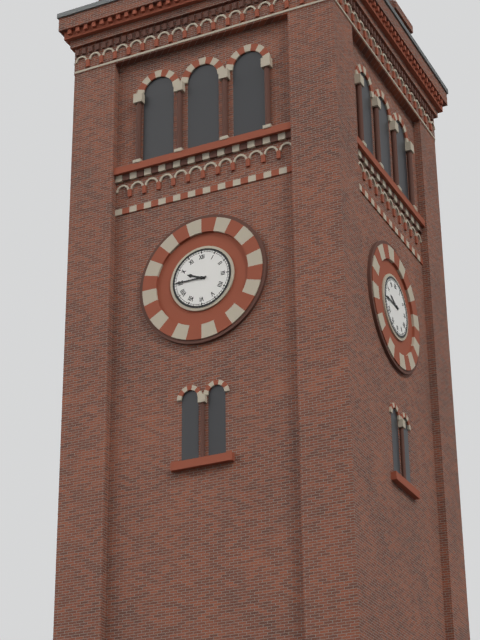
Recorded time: 9:45
